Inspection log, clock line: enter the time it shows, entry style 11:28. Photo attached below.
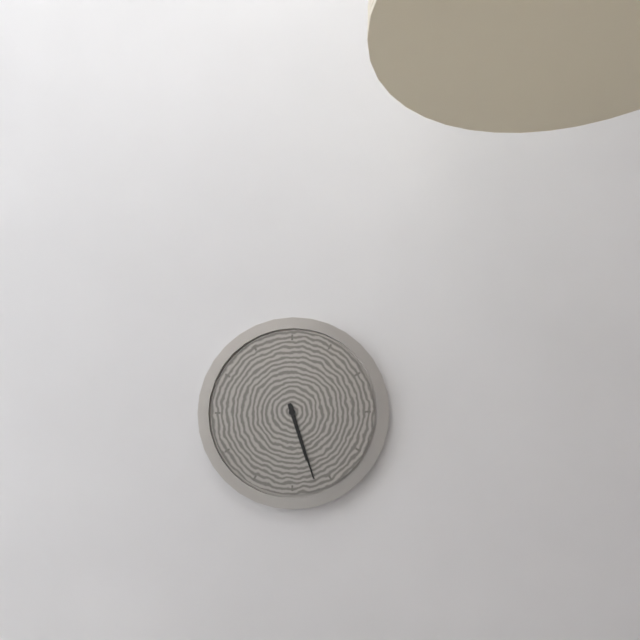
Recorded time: 5:27
